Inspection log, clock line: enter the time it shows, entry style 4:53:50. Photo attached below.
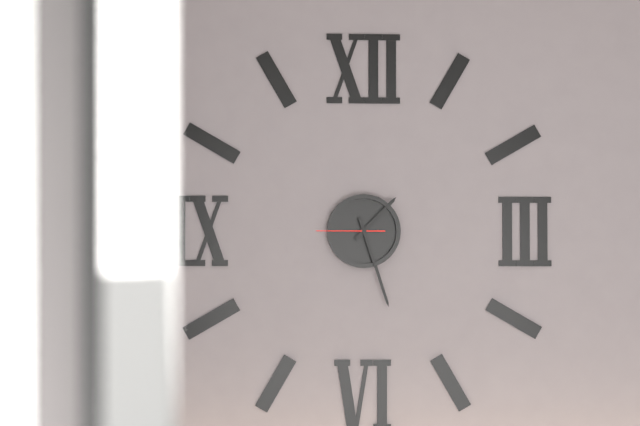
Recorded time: 1:27:45
